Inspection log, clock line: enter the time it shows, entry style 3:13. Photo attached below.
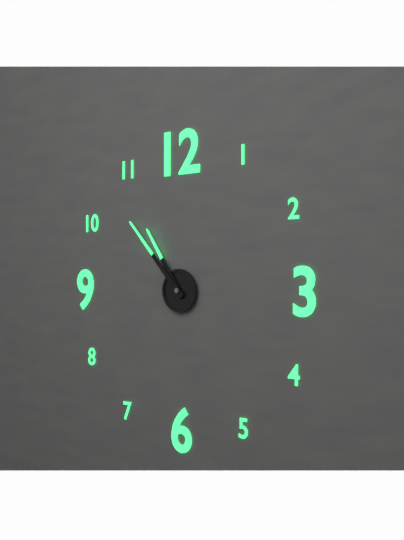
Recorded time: 10:53
